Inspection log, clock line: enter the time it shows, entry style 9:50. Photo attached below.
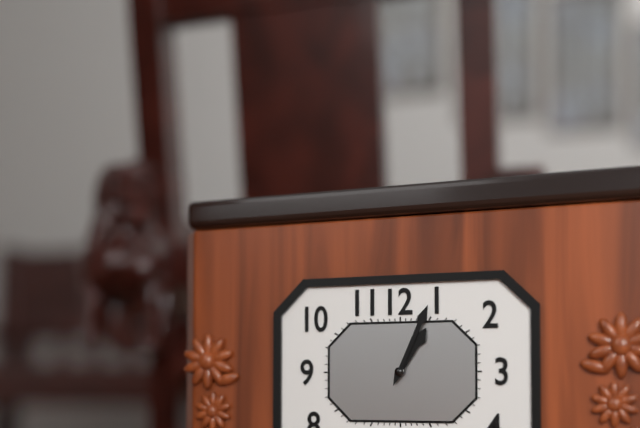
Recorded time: 1:04
